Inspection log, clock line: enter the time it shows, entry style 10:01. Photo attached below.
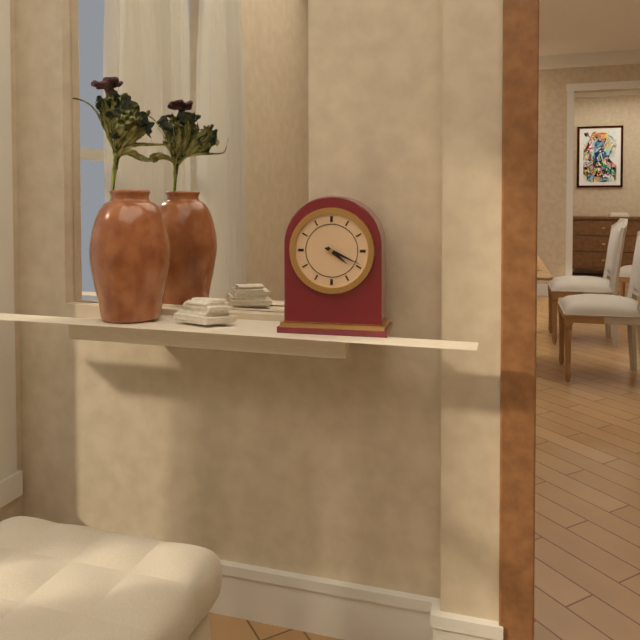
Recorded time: 4:19
